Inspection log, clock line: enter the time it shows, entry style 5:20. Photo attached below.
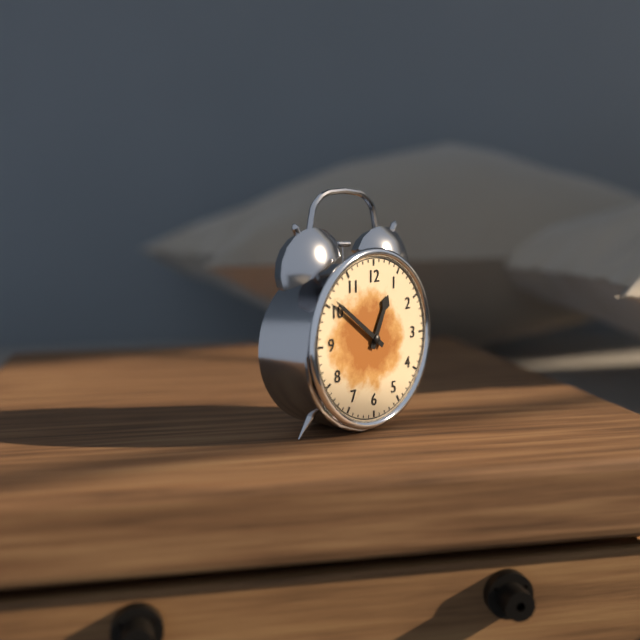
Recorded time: 12:51
